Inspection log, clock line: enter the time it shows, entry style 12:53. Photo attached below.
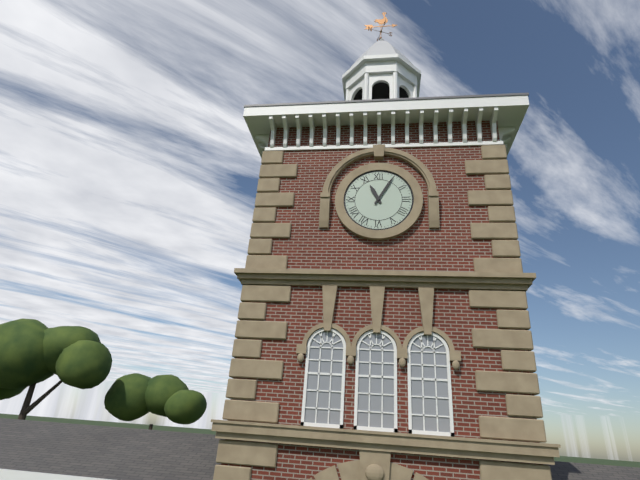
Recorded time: 11:05
